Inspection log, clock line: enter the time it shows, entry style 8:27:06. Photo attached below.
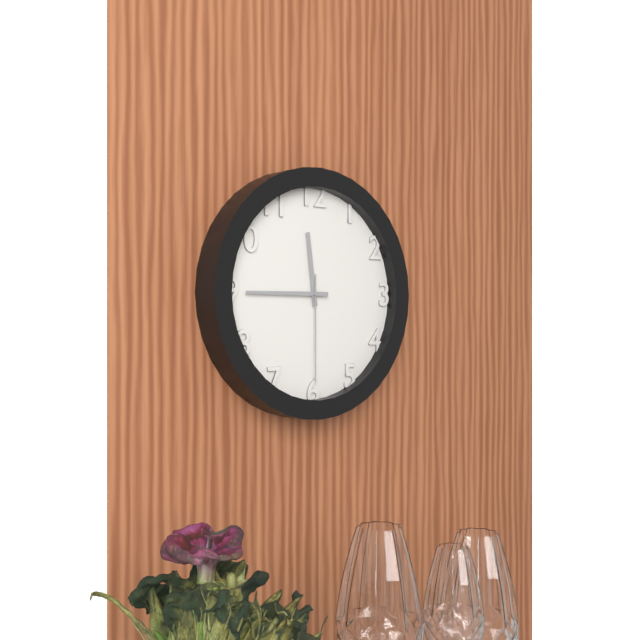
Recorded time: 11:45:30
